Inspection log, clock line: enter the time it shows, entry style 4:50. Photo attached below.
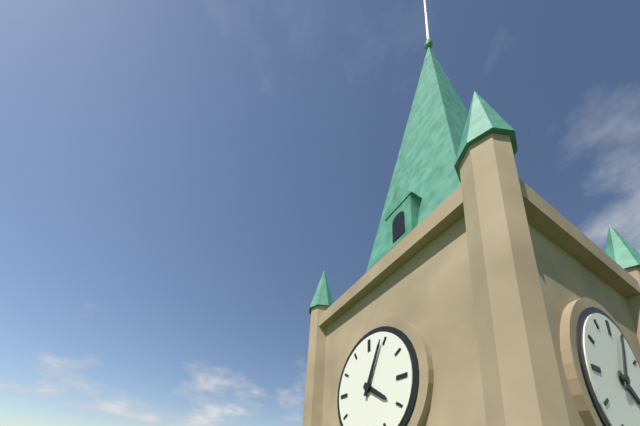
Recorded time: 4:04
